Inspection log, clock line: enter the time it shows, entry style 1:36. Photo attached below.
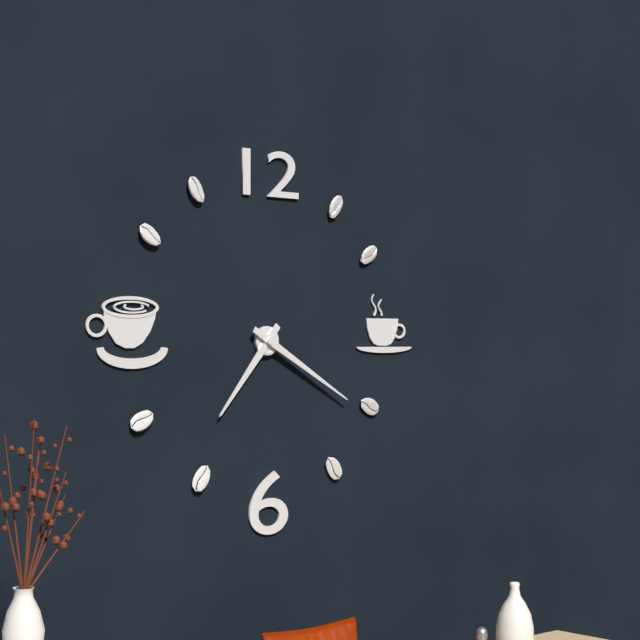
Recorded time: 7:20
